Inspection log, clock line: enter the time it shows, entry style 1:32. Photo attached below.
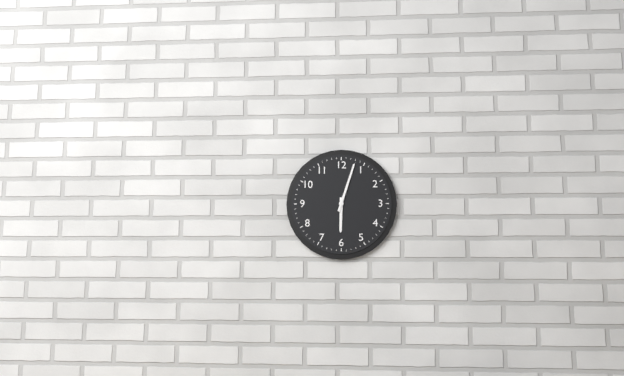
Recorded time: 6:03
